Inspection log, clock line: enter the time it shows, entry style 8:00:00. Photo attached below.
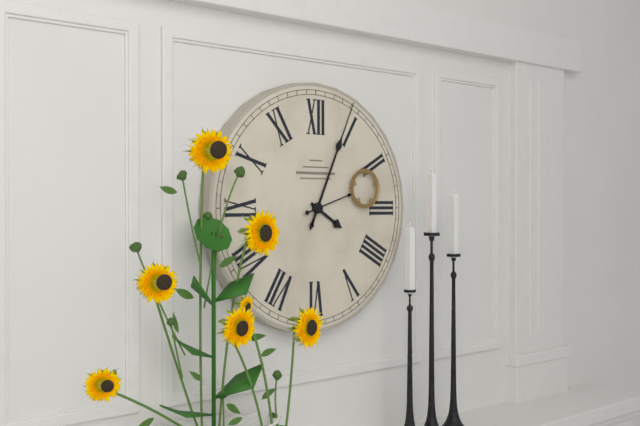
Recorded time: 4:04:12
